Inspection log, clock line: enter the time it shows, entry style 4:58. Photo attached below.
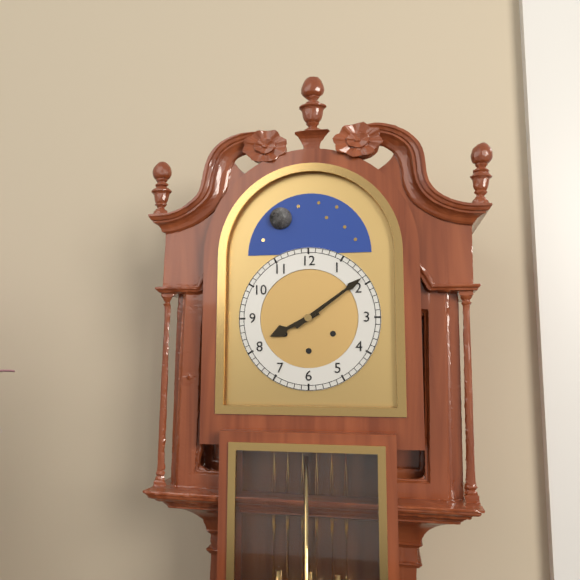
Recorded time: 8:09
